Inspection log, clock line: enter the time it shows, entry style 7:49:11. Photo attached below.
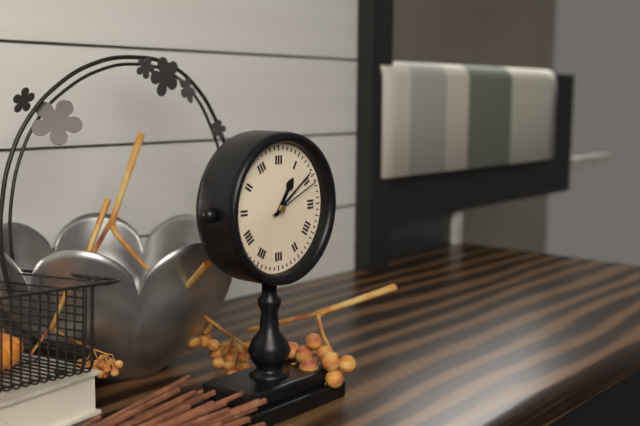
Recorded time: 1:09:11
